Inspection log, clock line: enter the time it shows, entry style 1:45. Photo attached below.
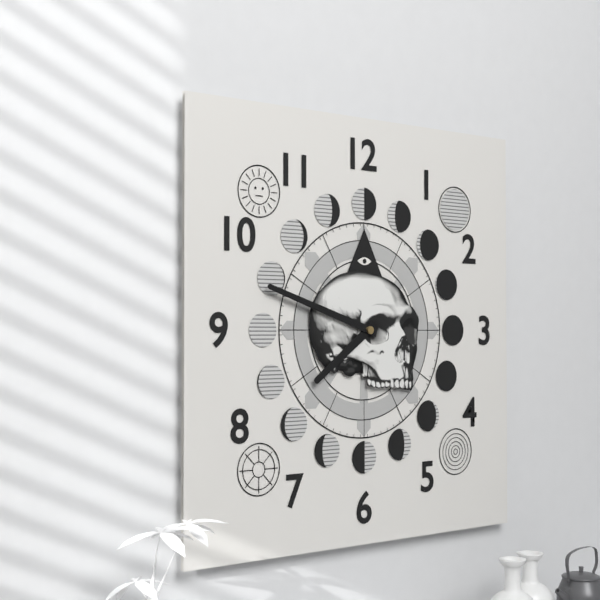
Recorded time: 7:48
